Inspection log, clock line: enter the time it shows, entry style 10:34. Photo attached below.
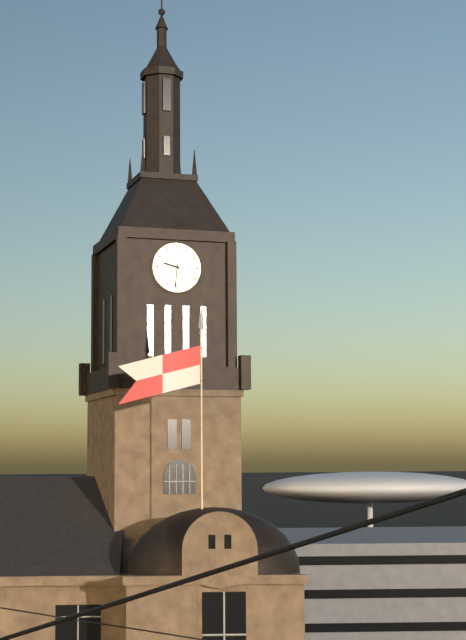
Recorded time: 9:31
